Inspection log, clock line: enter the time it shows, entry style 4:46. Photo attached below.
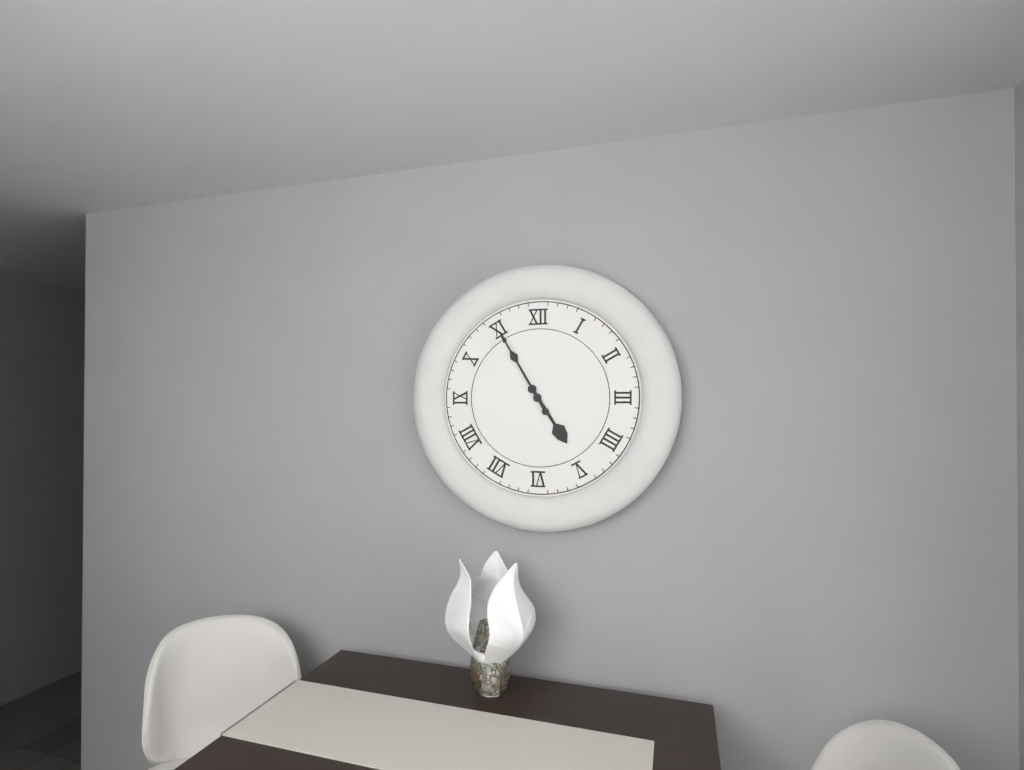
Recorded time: 4:55
